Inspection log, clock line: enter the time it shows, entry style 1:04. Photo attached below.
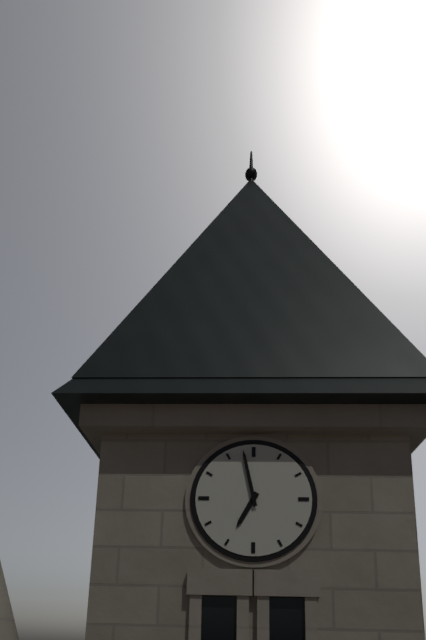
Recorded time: 6:58
